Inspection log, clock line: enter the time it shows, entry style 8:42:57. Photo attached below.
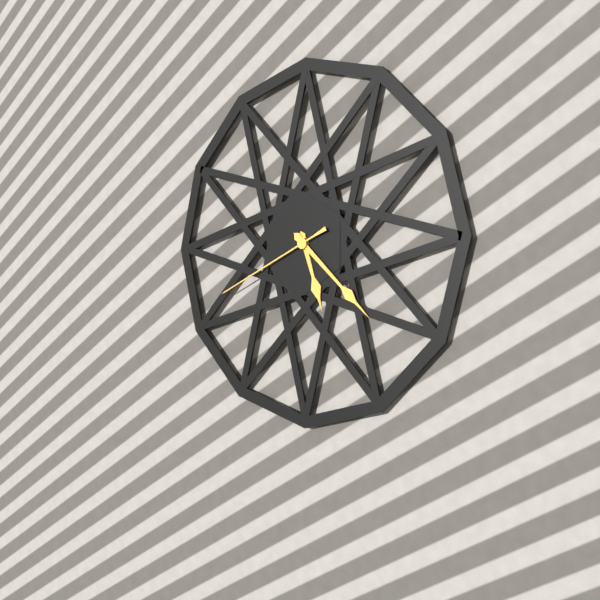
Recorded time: 5:22:41
